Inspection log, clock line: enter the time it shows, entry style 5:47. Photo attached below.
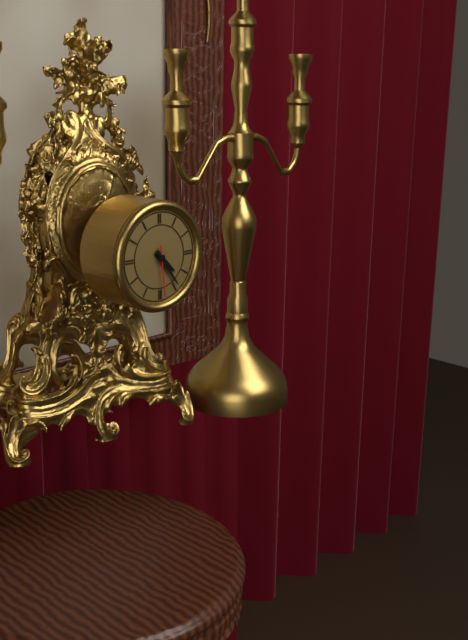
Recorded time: 4:24
